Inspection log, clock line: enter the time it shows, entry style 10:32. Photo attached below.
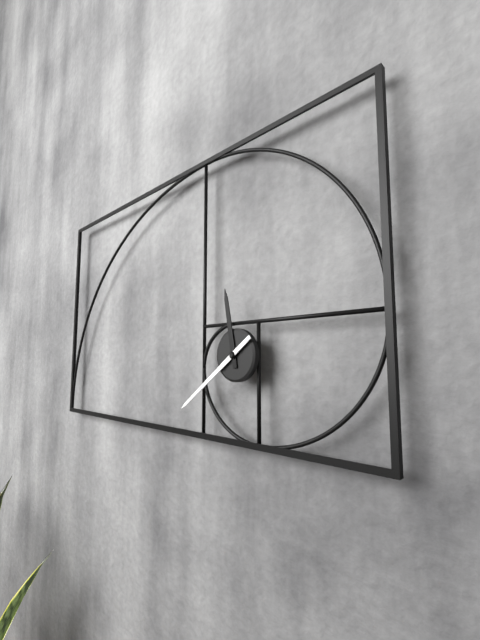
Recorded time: 11:39
